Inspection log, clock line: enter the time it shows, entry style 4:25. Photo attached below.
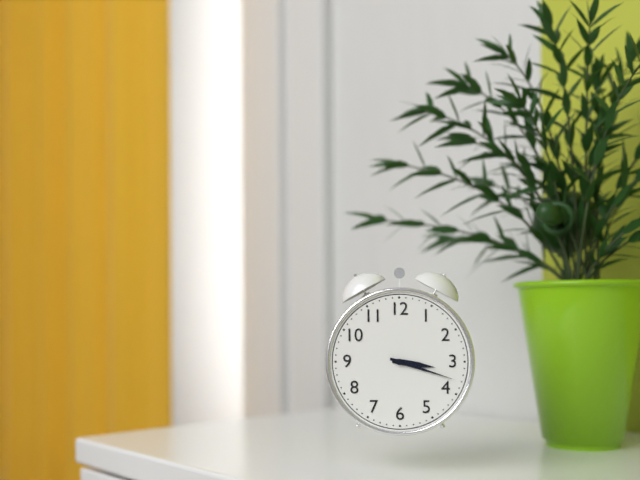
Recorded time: 3:18
